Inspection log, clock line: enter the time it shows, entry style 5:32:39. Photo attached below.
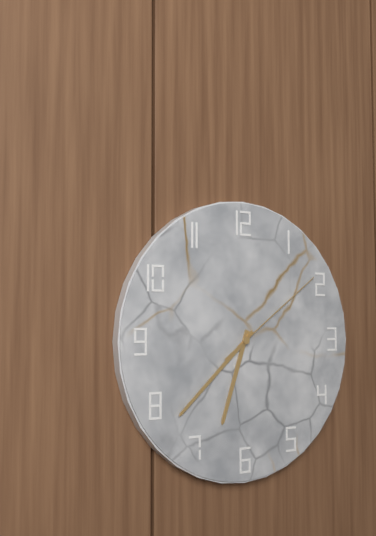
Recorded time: 6:38:09
